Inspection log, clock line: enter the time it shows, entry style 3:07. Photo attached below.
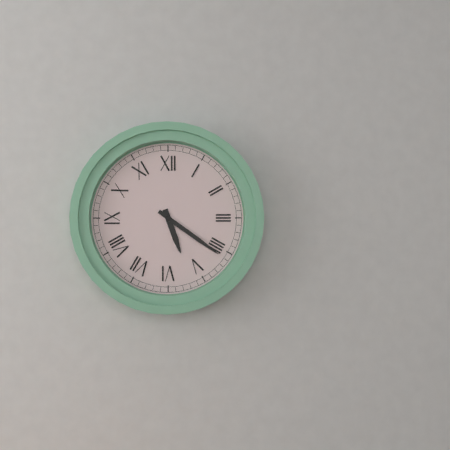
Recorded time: 5:21
